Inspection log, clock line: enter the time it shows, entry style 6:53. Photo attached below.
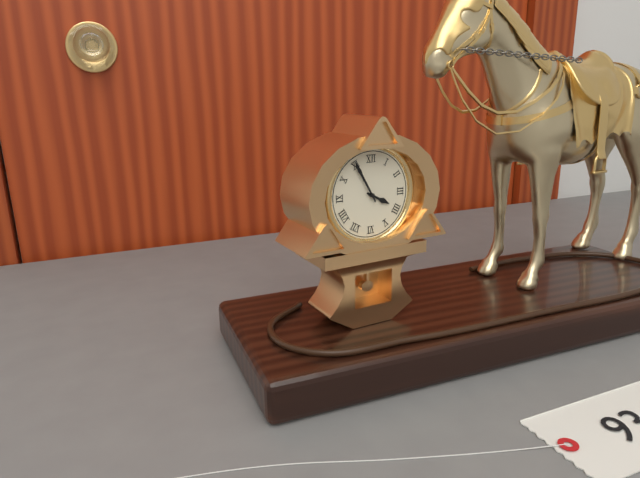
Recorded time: 3:55
